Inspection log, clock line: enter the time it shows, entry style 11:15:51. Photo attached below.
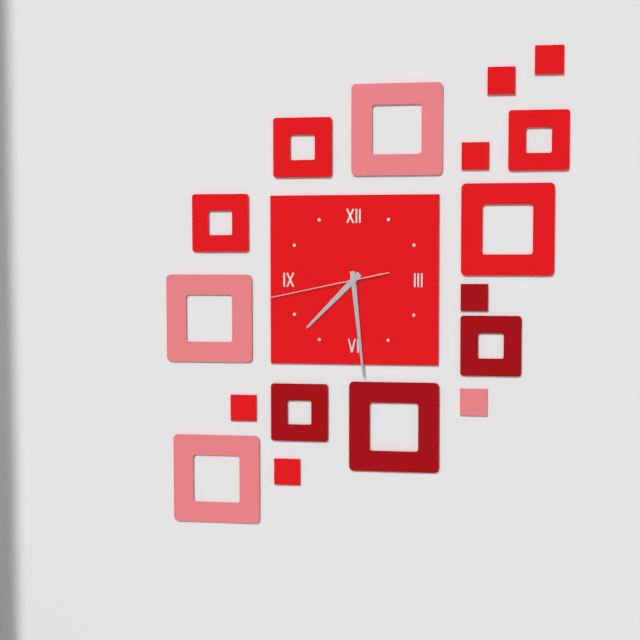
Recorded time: 7:29:43
